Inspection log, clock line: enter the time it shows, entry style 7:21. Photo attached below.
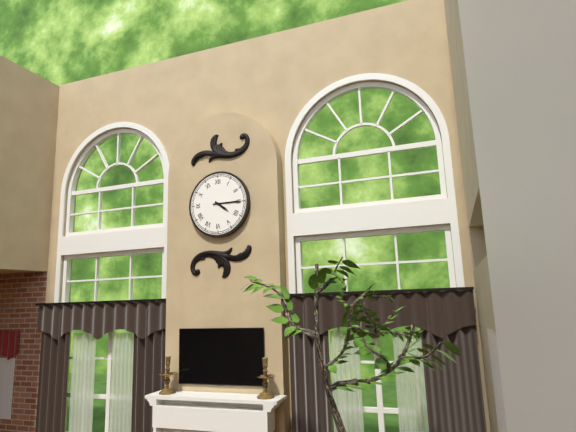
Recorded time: 4:15
